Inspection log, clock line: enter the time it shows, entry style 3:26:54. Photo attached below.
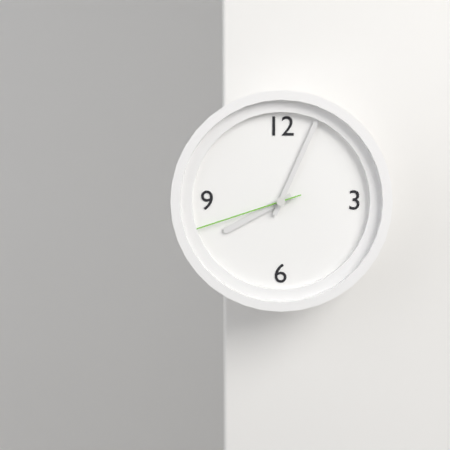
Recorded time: 8:04:42
